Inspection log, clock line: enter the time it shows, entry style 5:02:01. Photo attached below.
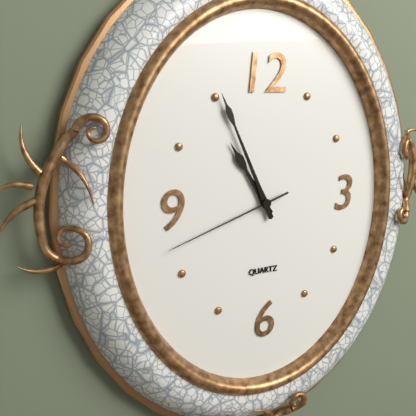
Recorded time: 10:56:42
